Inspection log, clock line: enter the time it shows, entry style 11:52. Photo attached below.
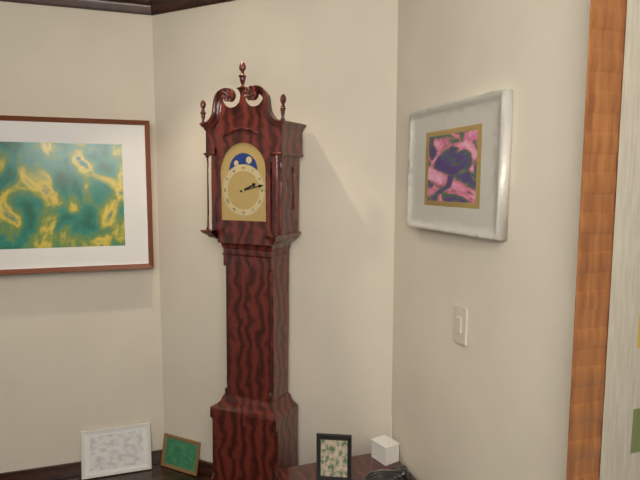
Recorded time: 2:13
